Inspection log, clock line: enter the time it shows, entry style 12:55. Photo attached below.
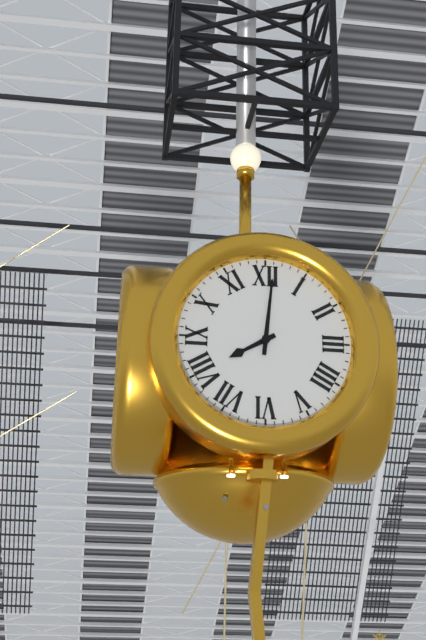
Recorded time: 8:01
